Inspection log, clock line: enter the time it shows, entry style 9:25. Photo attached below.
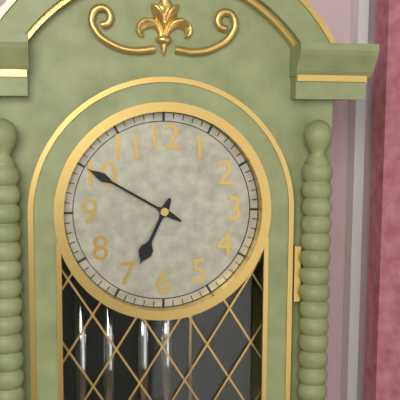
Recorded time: 6:50
